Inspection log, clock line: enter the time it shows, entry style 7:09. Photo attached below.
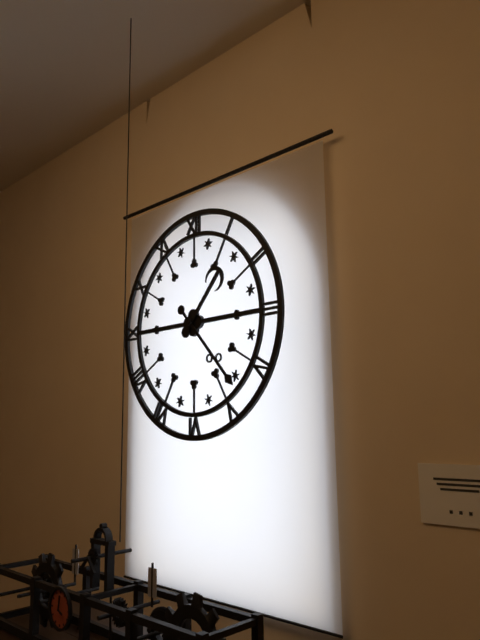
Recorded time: 1:23
